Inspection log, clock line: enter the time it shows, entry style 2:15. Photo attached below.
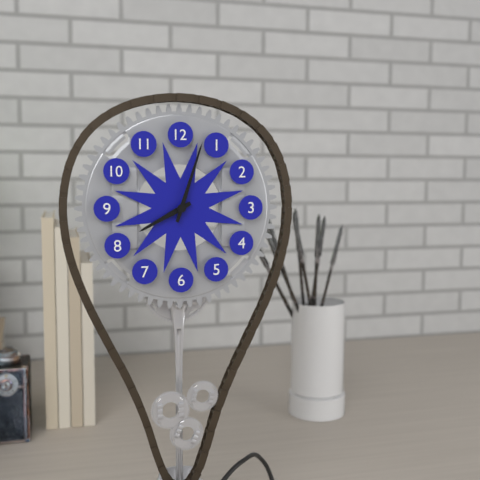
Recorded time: 8:03
